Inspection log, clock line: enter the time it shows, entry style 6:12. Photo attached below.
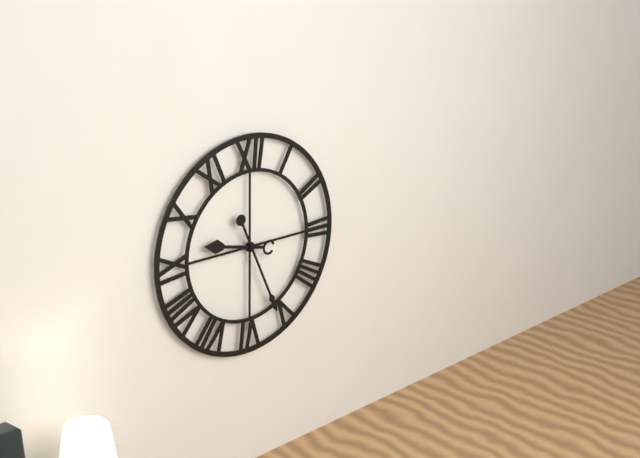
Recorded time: 9:26
